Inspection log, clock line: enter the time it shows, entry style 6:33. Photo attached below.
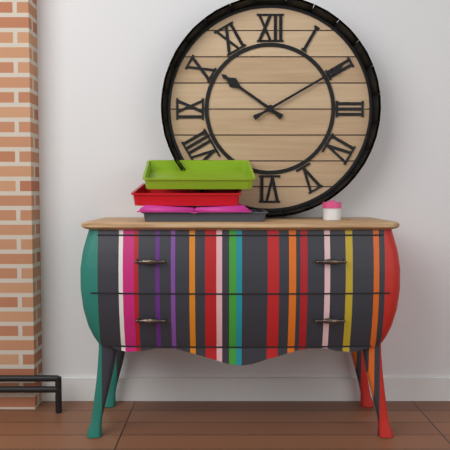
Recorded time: 10:10
